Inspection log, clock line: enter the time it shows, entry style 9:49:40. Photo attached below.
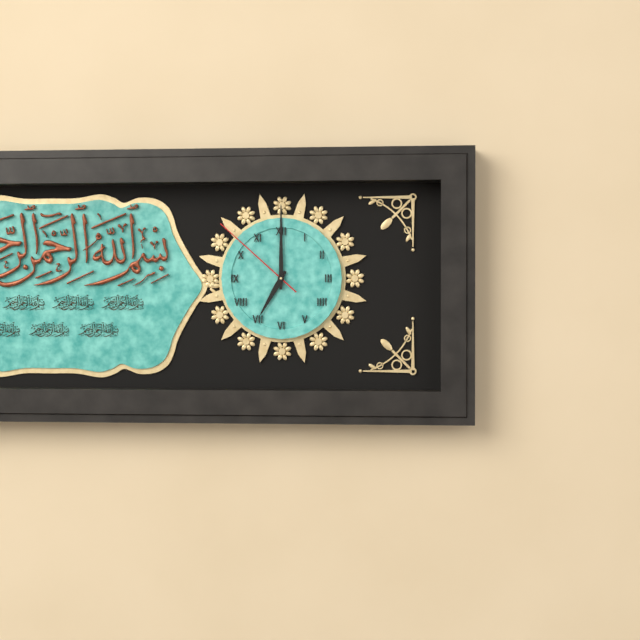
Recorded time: 7:00:52
